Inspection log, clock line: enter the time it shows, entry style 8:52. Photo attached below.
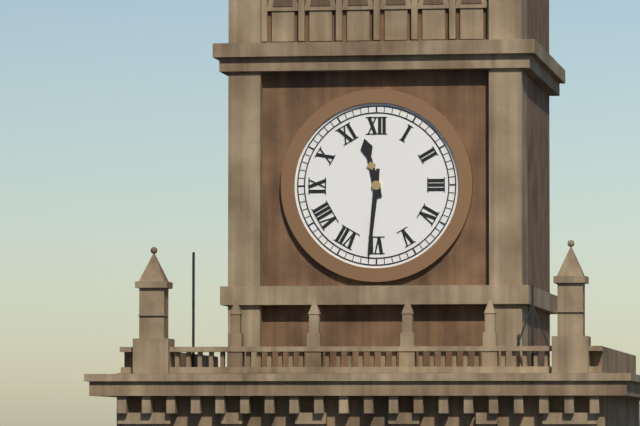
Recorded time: 11:31
